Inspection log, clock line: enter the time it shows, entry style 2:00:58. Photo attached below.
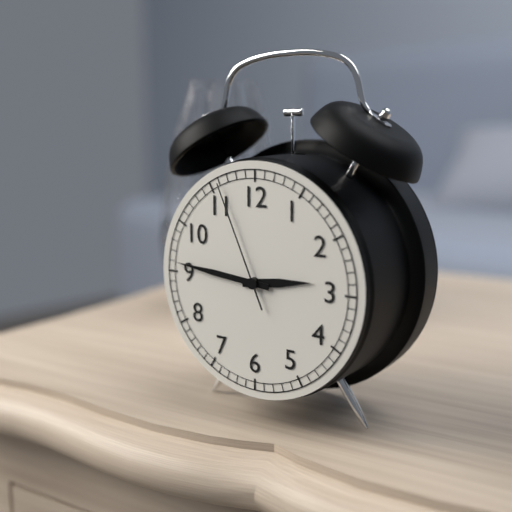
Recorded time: 2:46:56
